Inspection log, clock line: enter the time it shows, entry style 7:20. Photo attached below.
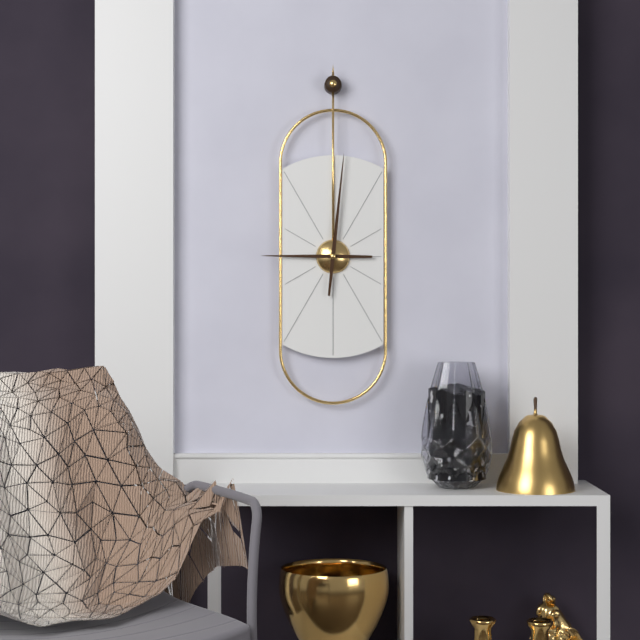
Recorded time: 9:01
